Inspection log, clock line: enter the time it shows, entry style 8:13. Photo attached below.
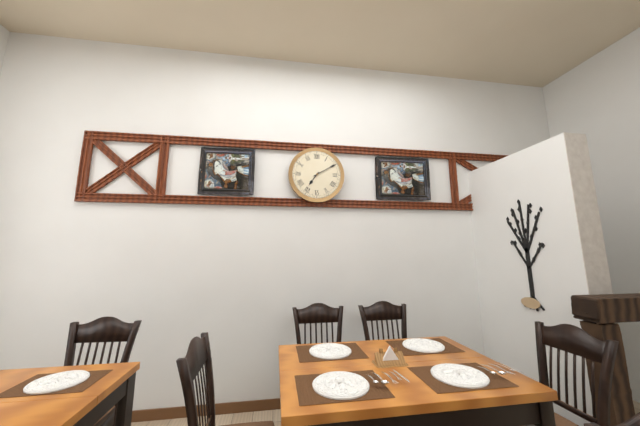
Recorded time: 7:10
